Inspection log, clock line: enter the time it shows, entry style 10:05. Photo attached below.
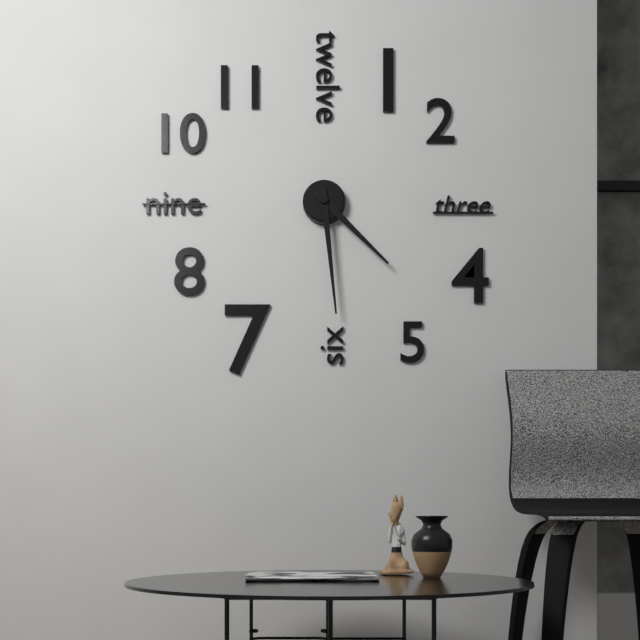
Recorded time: 4:29
